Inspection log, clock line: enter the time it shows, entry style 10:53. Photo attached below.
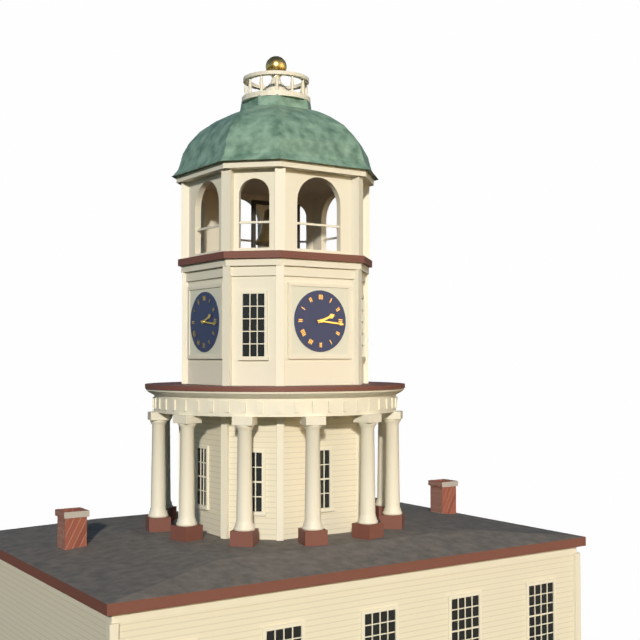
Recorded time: 2:16
